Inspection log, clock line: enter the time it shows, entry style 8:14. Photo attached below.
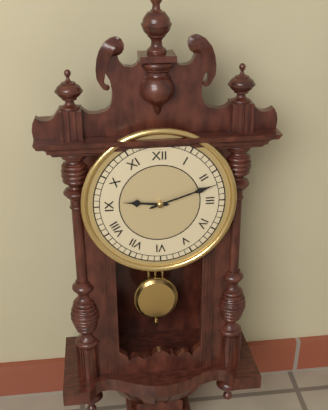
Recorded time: 9:12
